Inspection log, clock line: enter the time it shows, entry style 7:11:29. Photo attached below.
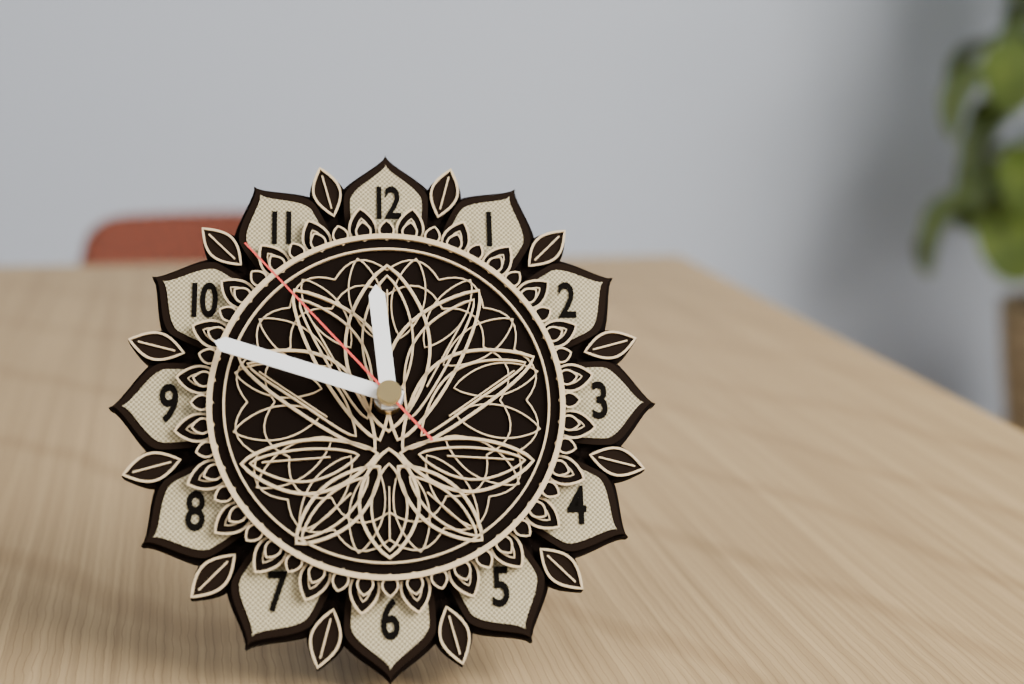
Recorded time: 11:48:53
